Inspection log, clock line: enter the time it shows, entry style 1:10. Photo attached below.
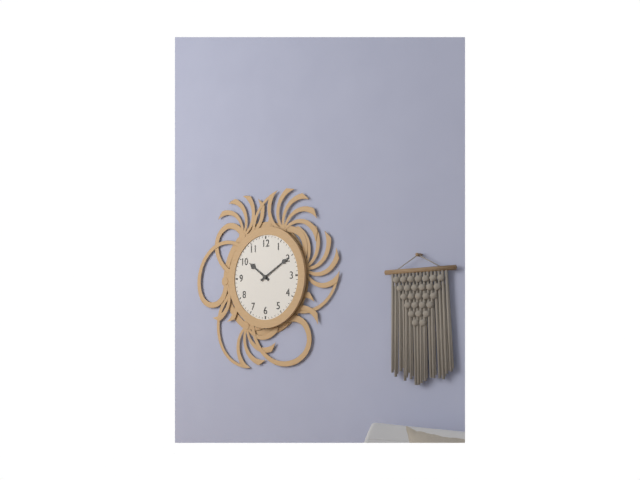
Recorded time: 10:10
